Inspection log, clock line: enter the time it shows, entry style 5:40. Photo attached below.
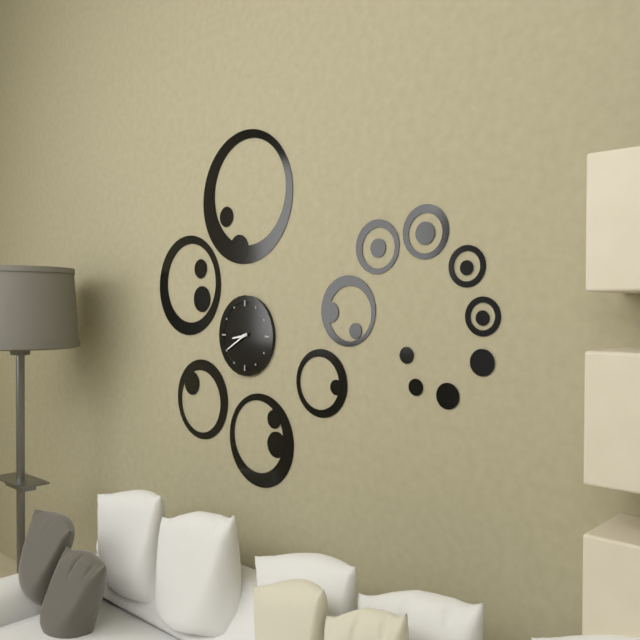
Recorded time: 8:40
